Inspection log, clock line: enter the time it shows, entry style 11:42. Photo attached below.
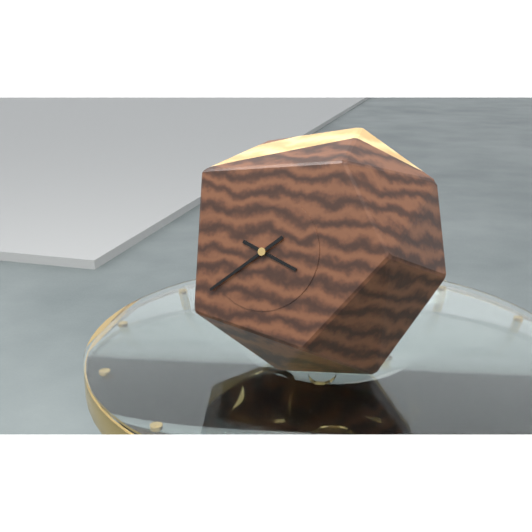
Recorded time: 3:38
